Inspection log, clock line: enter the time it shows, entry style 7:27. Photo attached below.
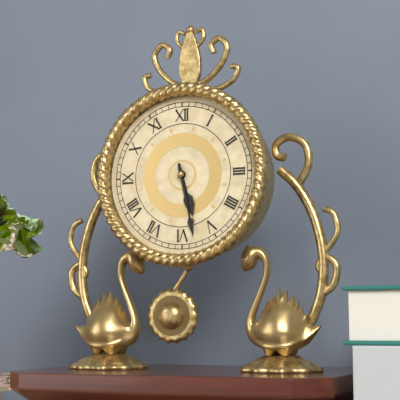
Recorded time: 5:28
